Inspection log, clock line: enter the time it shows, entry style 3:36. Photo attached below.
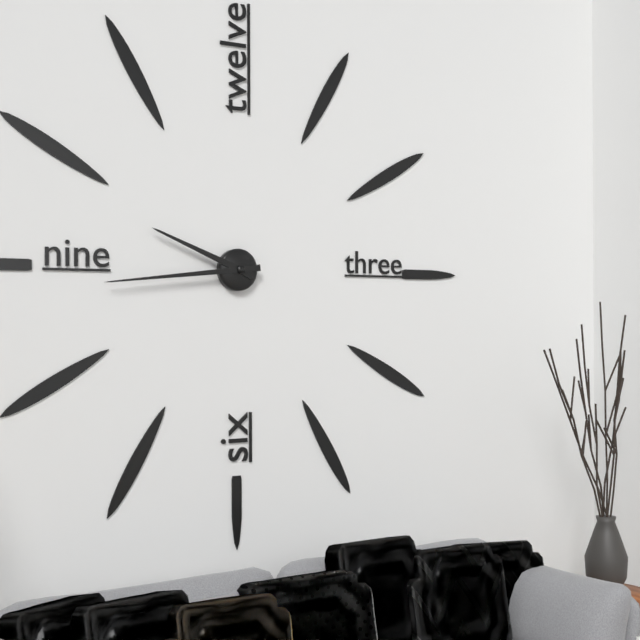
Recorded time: 9:44
